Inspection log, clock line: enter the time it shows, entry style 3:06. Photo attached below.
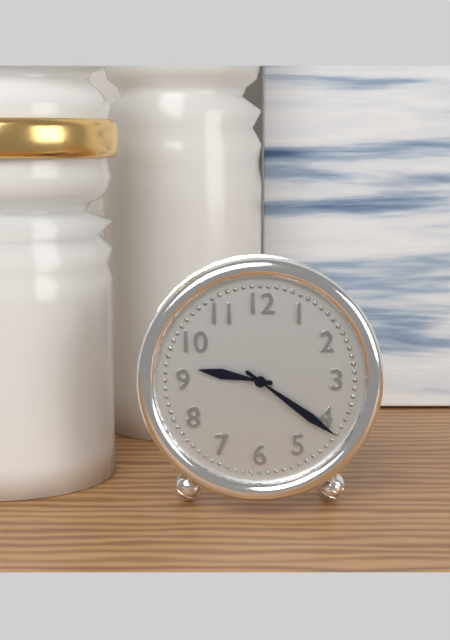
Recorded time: 9:21
